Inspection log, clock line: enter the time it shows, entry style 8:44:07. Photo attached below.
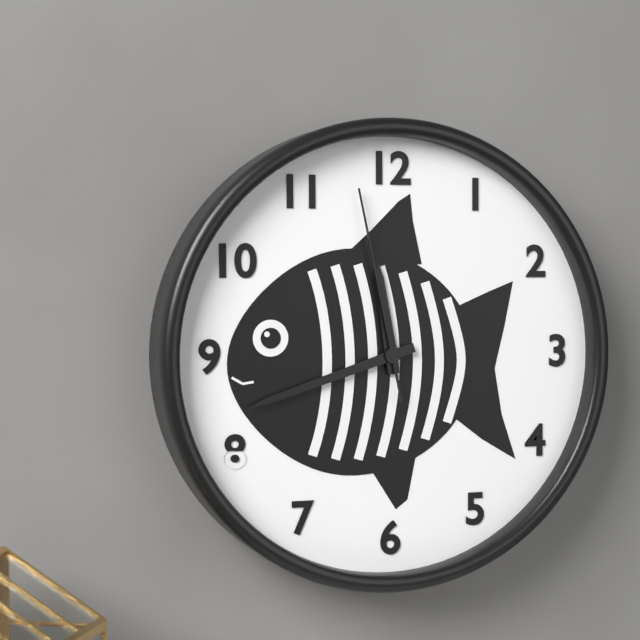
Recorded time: 11:42:58
